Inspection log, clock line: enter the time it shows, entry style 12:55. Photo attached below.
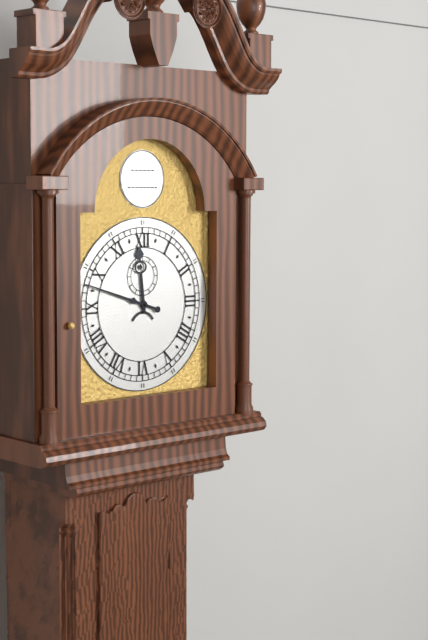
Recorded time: 11:48
